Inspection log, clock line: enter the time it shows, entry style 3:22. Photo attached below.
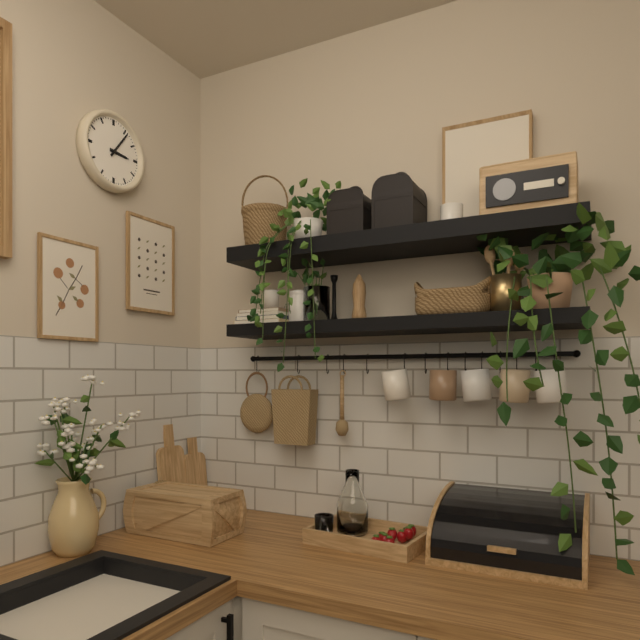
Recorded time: 3:06
